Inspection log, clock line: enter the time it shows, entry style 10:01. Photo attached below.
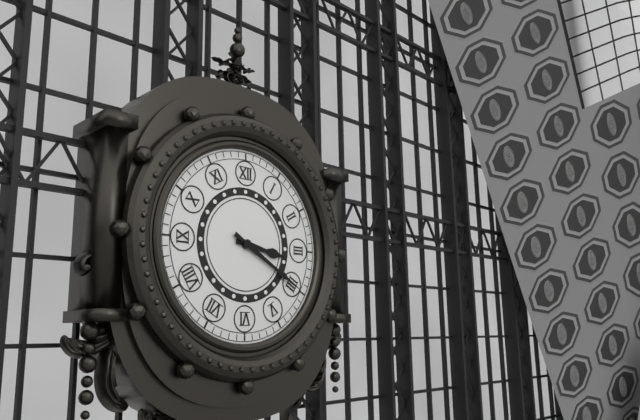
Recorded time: 3:20
